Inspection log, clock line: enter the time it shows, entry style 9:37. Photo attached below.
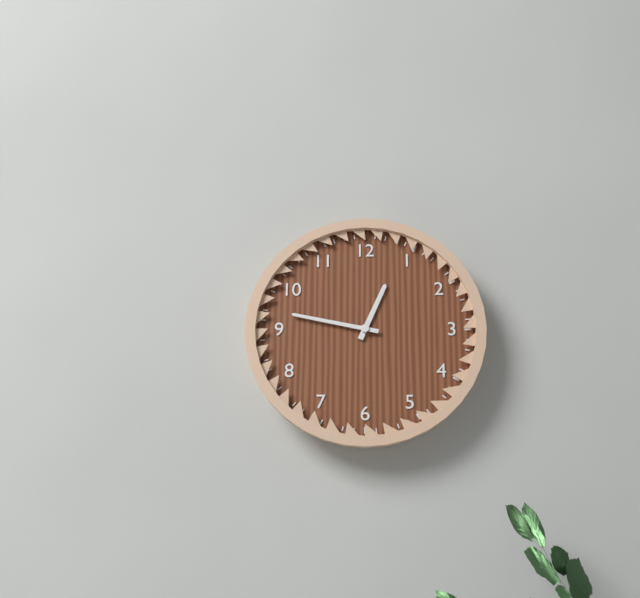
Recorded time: 12:47
